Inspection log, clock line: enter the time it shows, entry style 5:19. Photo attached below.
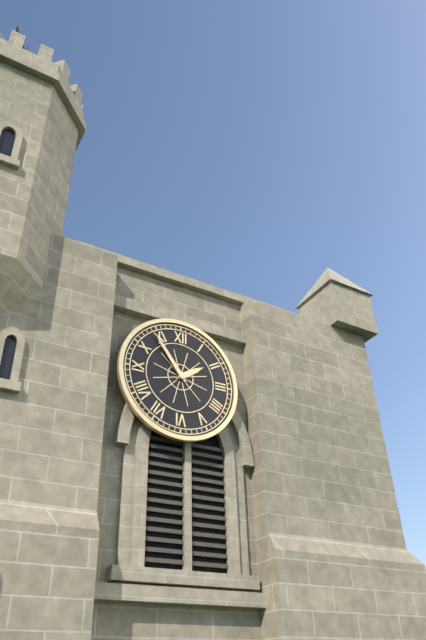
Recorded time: 1:54
